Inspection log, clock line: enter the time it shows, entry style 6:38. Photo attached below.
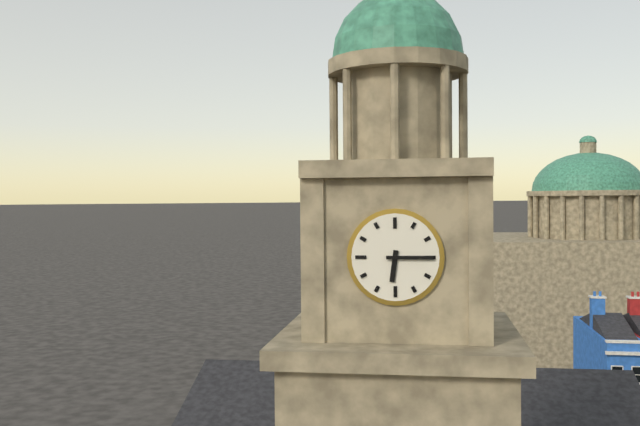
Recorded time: 6:15
